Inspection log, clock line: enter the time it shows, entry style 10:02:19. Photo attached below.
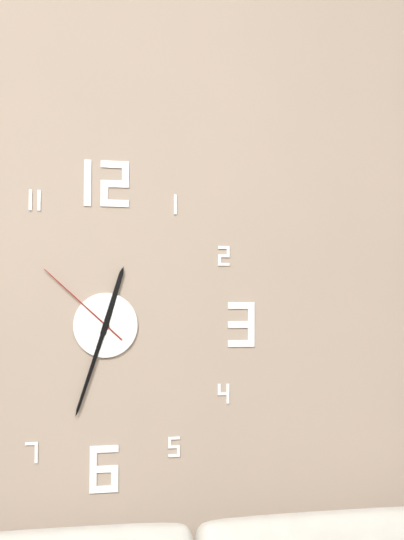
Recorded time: 12:33:52
